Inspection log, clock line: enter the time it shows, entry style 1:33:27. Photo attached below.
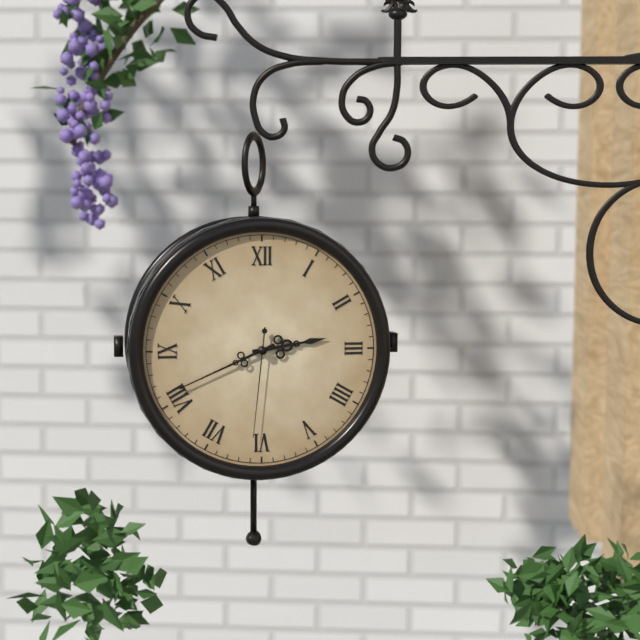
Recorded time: 2:41:31
